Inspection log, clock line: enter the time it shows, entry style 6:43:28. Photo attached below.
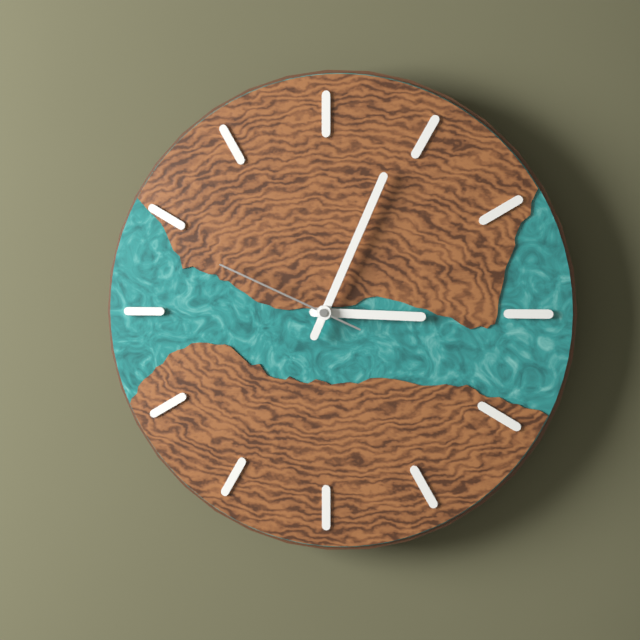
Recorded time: 3:04:49
